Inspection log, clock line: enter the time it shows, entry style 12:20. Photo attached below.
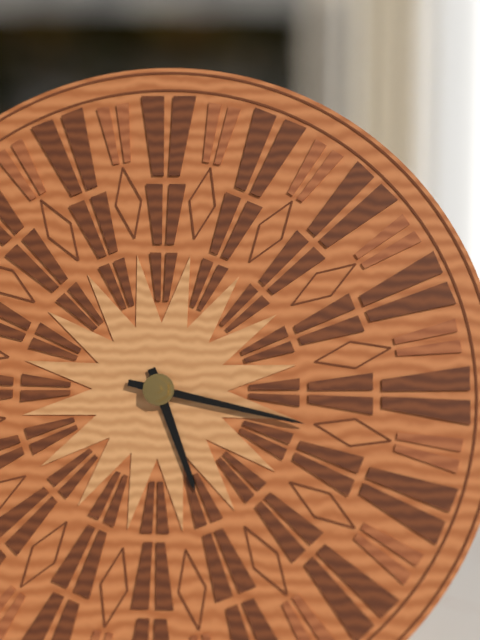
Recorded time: 5:17
